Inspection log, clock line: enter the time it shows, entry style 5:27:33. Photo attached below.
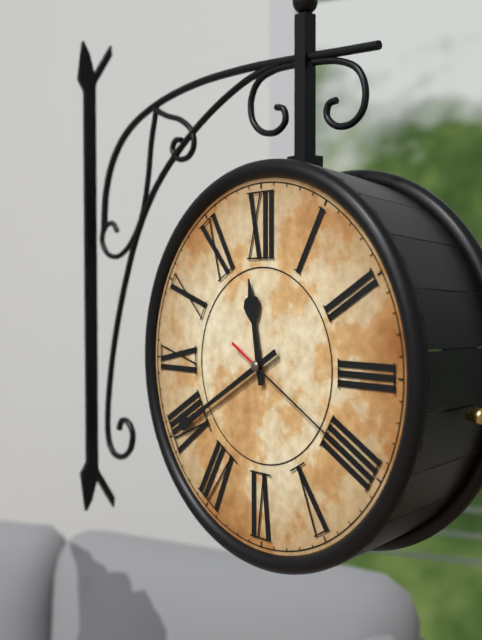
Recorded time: 11:40:20
